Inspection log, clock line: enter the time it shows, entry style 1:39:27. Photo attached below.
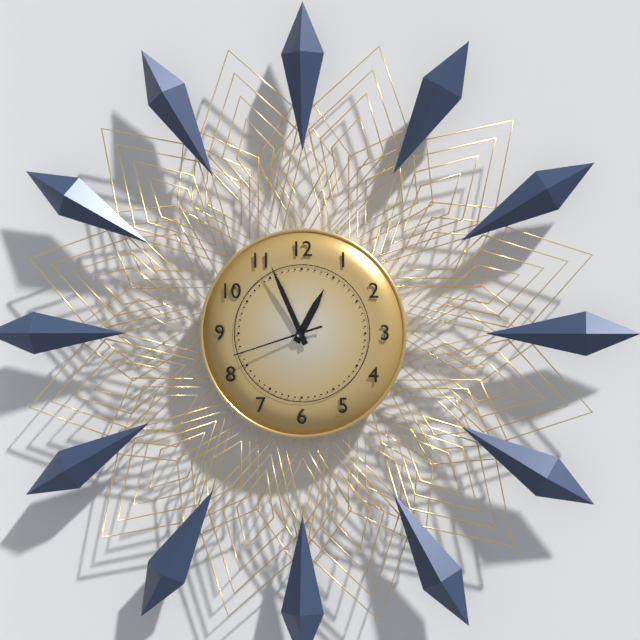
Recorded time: 12:56:42
